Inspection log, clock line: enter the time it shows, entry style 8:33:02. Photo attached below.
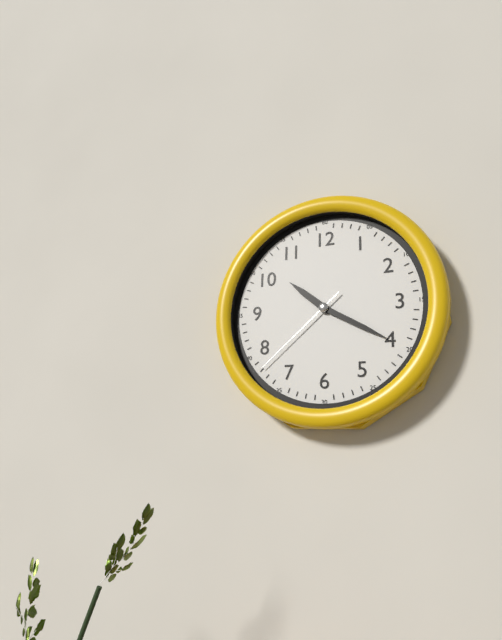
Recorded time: 10:20:38
